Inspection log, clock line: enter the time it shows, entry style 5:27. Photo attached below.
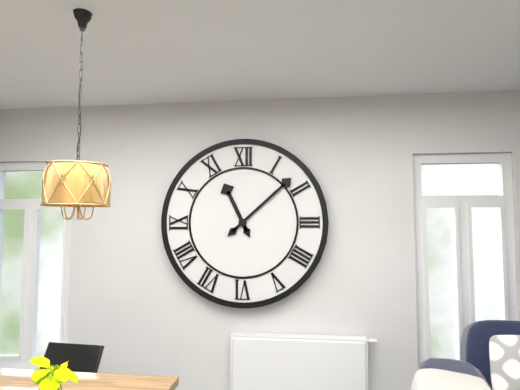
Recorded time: 11:08
